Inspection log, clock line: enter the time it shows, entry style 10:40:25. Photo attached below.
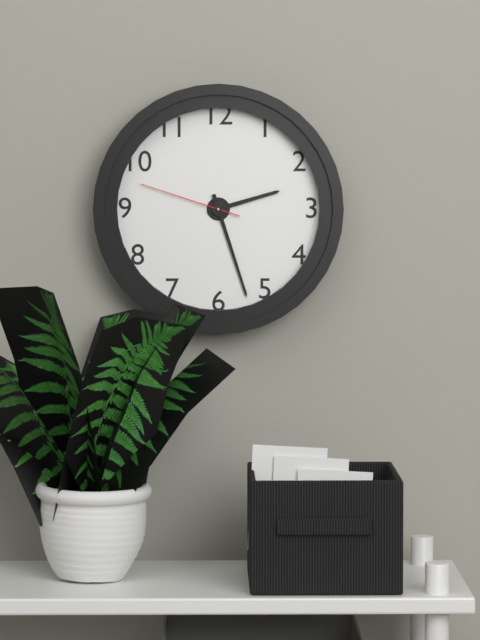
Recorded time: 2:27:48
